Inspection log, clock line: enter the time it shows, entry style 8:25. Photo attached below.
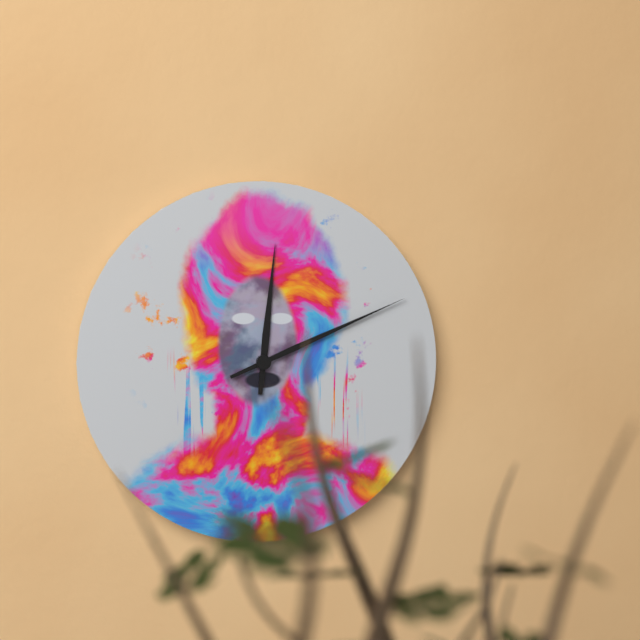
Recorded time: 12:11
